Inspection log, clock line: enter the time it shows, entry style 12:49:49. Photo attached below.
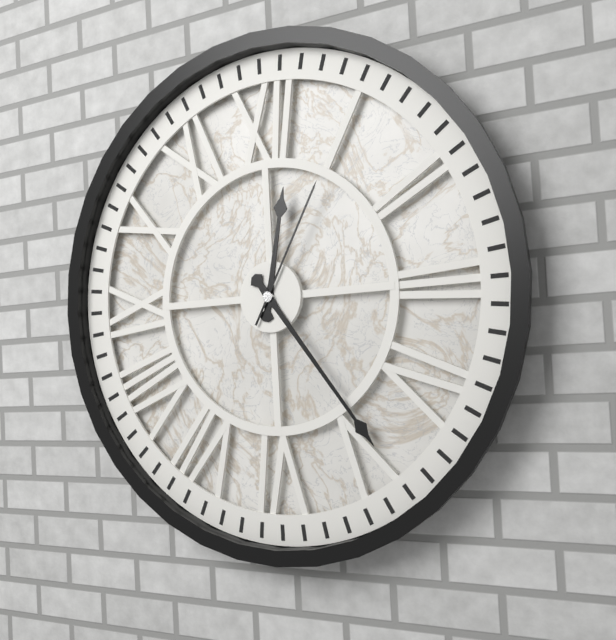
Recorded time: 12:24:05
